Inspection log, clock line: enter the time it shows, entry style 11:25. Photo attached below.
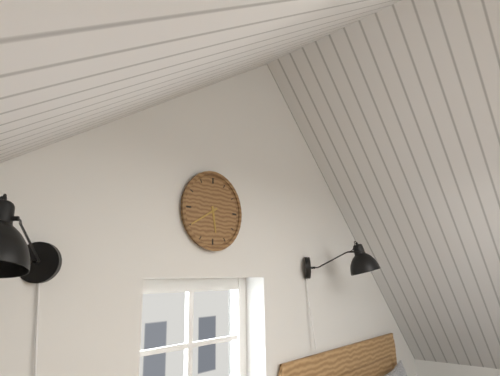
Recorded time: 5:40
